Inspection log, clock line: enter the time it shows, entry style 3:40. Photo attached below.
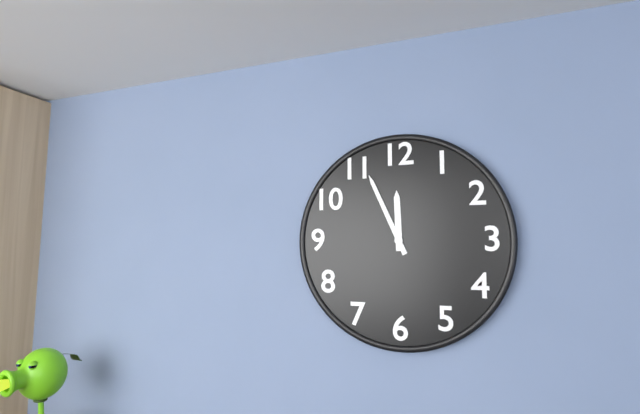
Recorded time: 11:56
